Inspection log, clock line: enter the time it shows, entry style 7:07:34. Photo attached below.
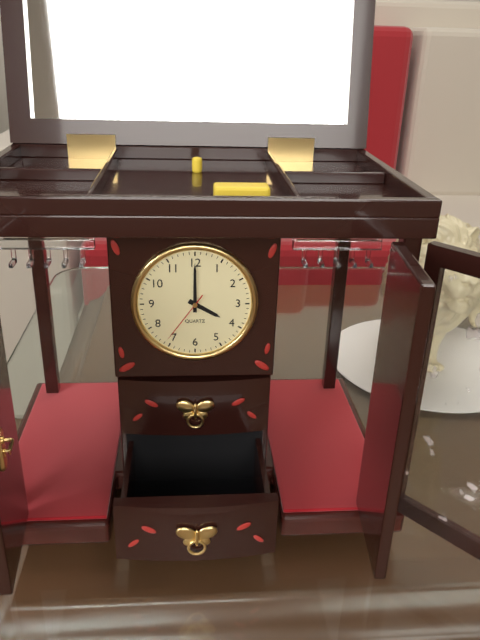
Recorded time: 4:00:36
